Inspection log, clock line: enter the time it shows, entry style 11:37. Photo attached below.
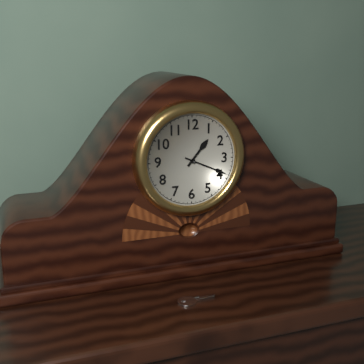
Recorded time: 1:19
